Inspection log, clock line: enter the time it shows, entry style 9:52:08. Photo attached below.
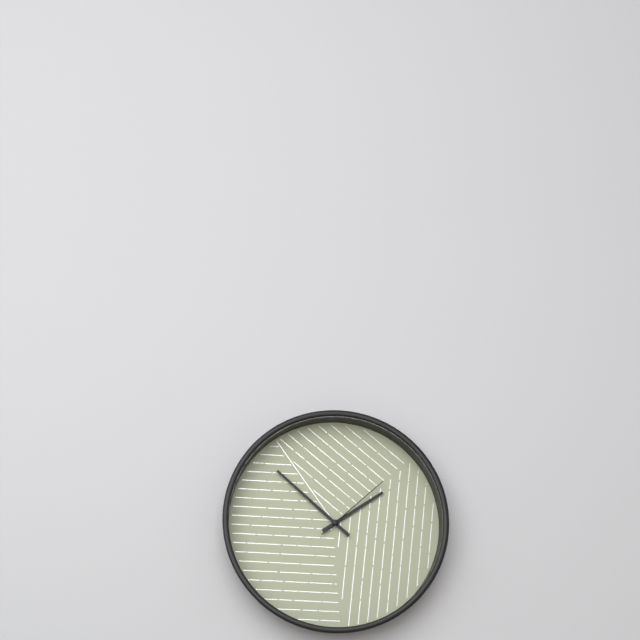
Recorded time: 1:52:08
